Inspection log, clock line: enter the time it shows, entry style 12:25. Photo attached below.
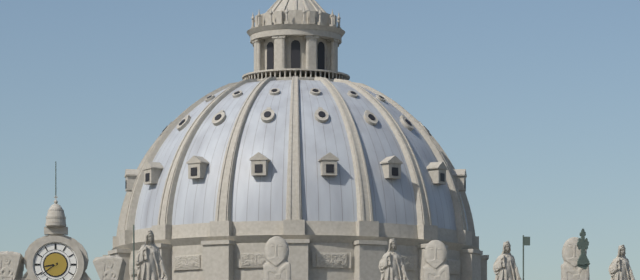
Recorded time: 8:39
